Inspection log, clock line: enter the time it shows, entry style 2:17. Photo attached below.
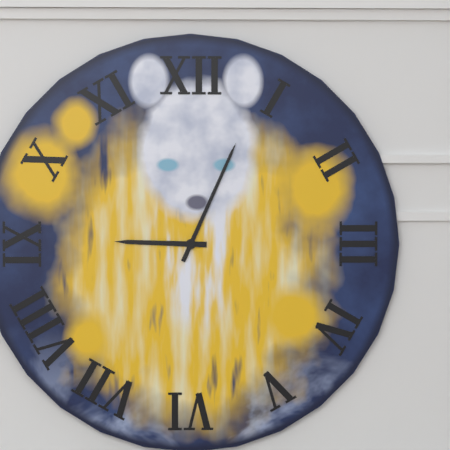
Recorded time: 9:04
